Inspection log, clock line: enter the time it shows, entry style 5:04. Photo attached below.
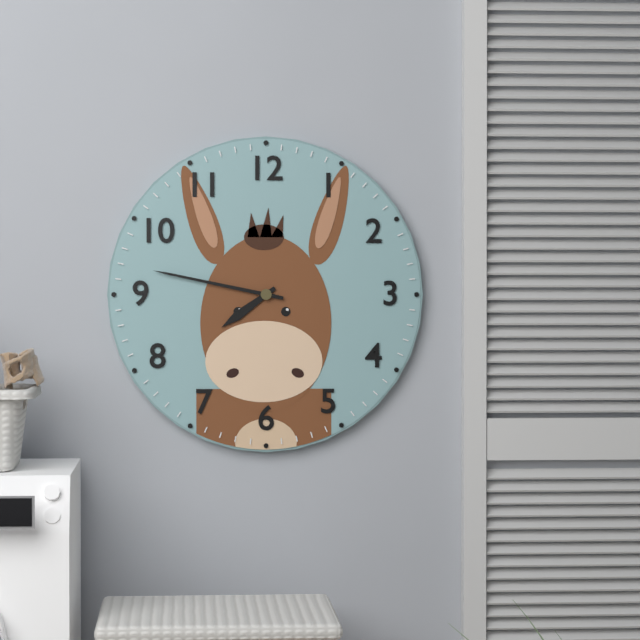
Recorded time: 7:47
